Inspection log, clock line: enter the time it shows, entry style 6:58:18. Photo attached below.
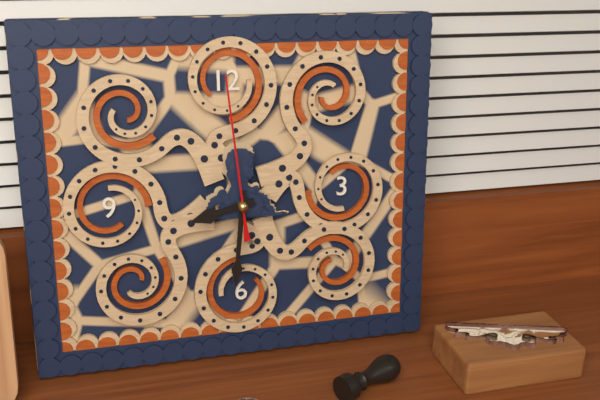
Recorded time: 8:31:59
